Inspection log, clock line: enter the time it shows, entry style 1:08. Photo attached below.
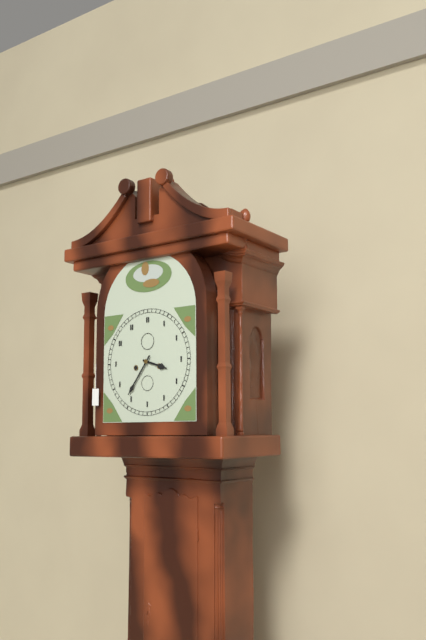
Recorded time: 3:36
